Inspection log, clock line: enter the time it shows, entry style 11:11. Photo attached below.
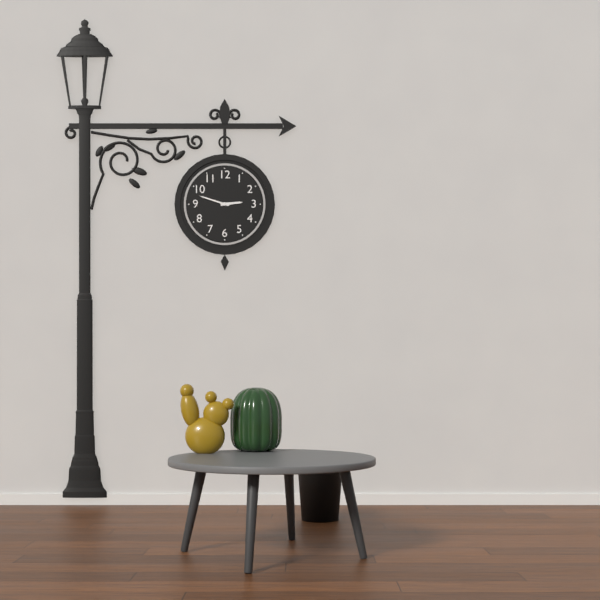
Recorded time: 2:48
